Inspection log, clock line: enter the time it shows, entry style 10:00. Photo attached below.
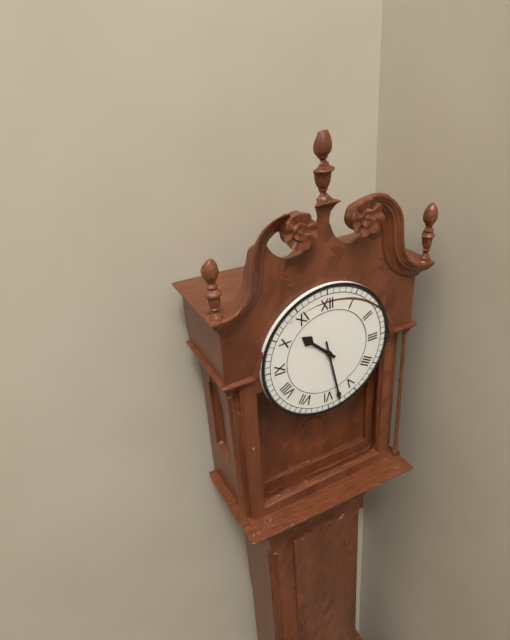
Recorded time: 10:28
